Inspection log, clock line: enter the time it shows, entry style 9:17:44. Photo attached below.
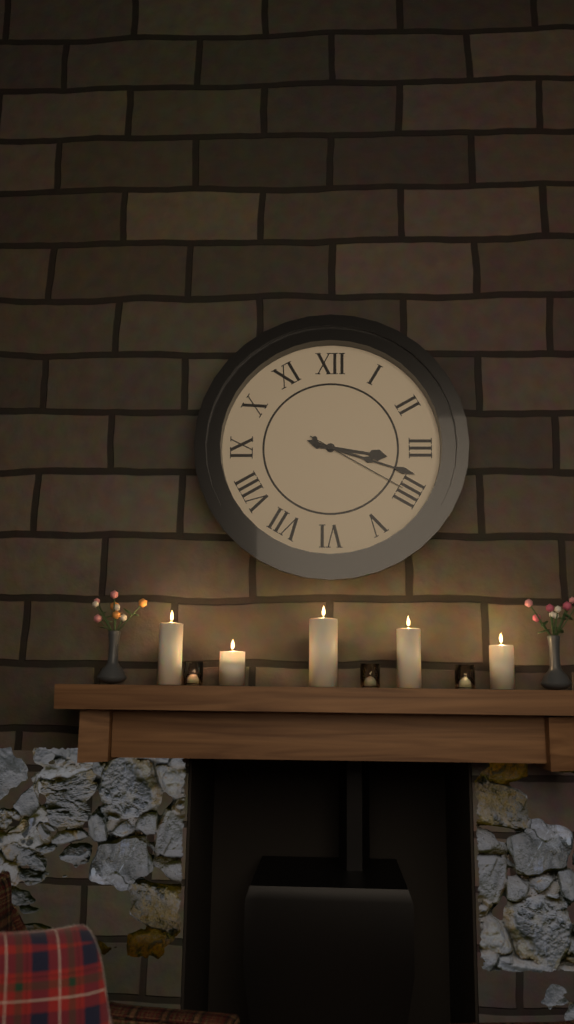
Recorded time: 3:18:20
